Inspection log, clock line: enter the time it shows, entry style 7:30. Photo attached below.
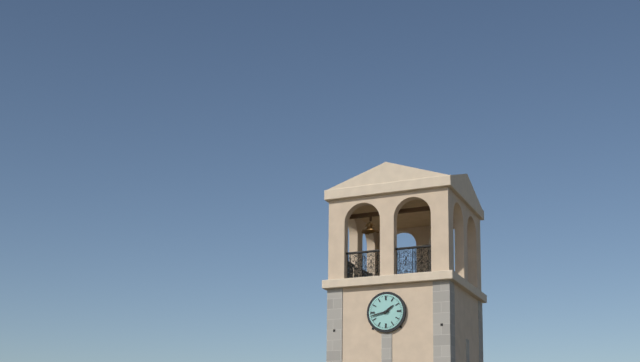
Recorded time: 1:43
